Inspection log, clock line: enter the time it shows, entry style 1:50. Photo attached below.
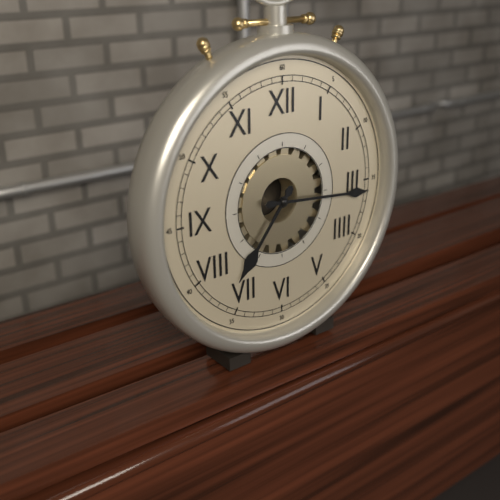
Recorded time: 7:16
